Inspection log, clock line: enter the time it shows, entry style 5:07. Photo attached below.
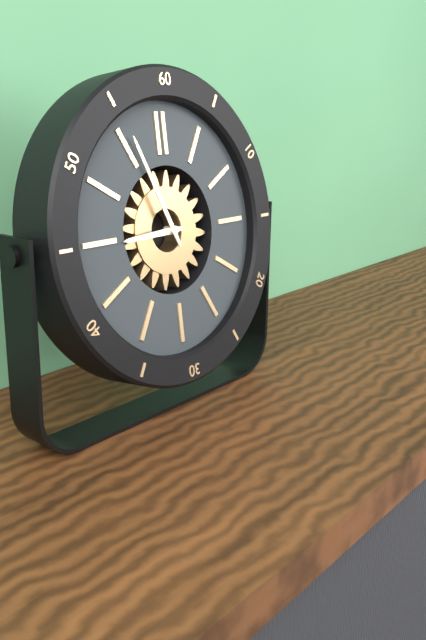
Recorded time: 8:56
